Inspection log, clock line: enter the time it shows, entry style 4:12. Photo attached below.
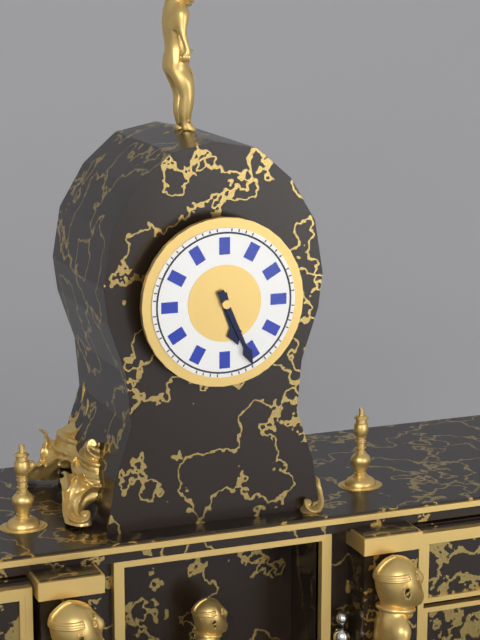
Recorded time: 5:26
